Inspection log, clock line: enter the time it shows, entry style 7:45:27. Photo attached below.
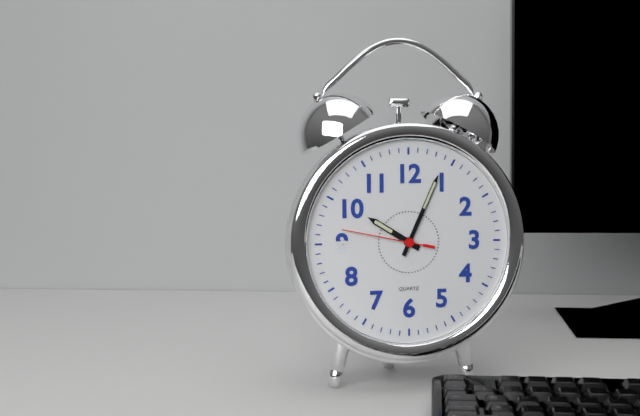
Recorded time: 10:04:47
